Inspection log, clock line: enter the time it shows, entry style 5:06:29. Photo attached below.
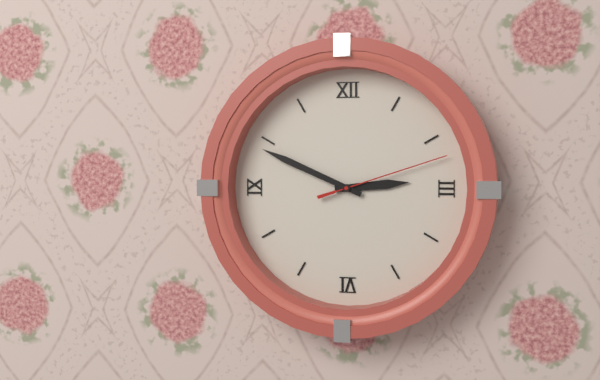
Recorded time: 2:49:12
